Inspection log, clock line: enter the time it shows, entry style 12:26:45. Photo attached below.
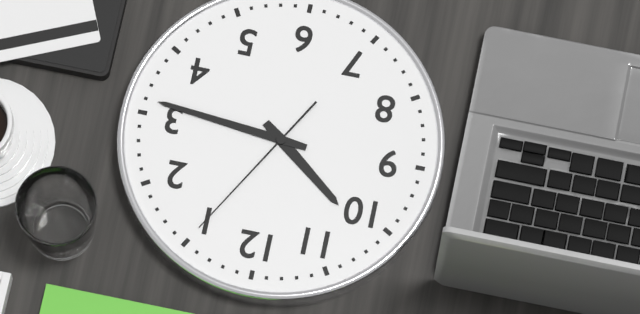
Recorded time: 10:16:05
